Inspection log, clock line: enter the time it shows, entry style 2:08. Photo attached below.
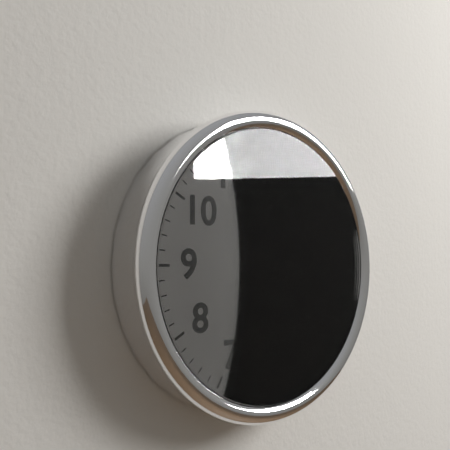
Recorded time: 2:01
